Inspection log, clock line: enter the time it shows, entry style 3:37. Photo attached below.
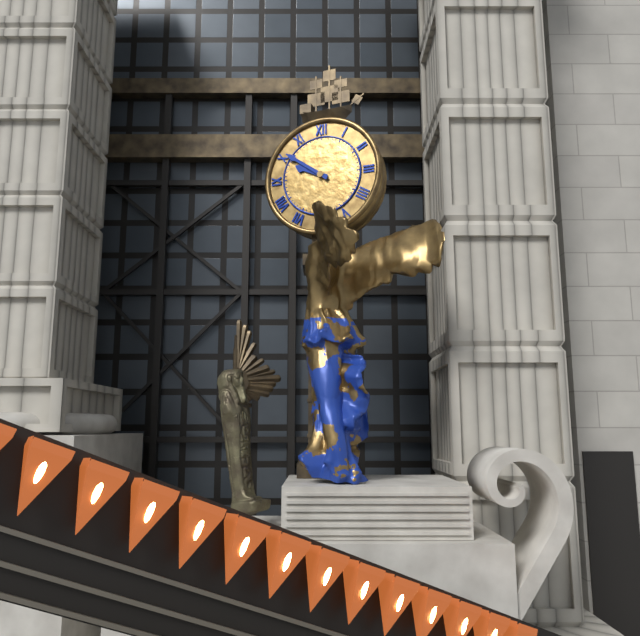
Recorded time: 9:51
